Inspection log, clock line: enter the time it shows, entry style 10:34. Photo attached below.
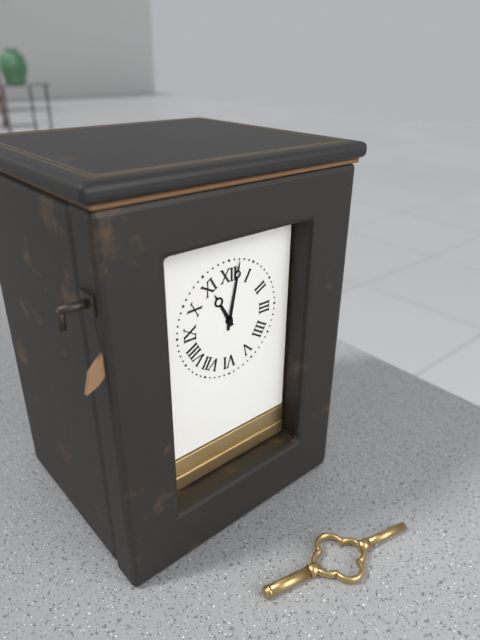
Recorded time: 11:02
